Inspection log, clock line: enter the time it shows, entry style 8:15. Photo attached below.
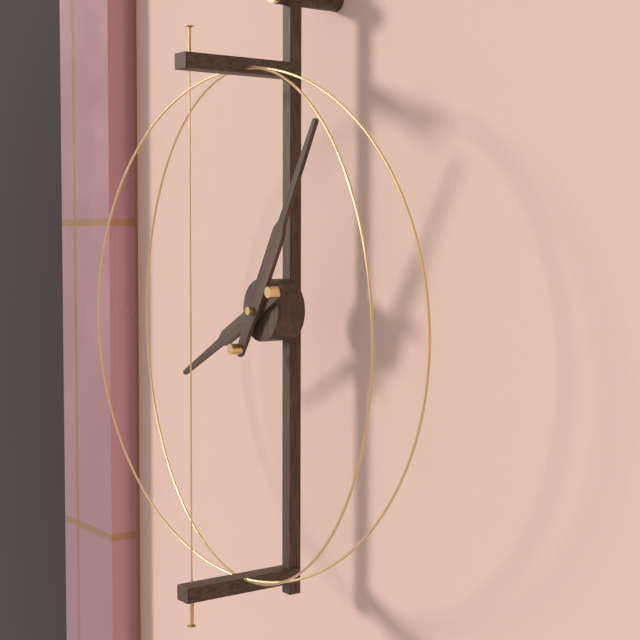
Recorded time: 8:05
